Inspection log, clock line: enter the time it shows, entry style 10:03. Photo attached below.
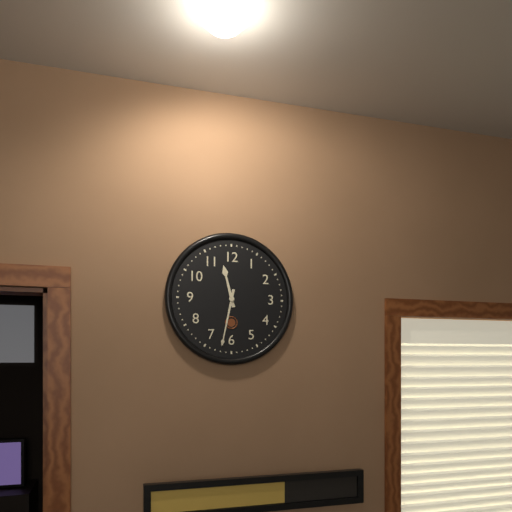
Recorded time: 11:32
